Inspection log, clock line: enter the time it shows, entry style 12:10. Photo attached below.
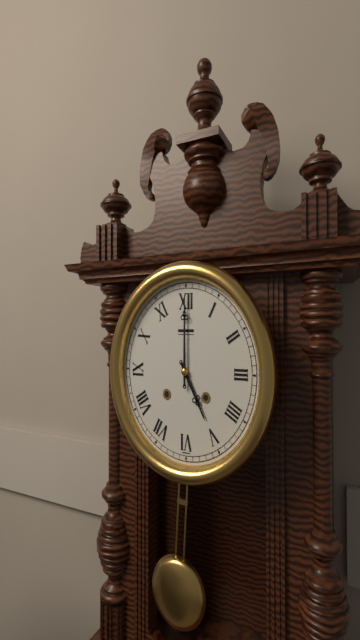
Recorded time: 5:00
